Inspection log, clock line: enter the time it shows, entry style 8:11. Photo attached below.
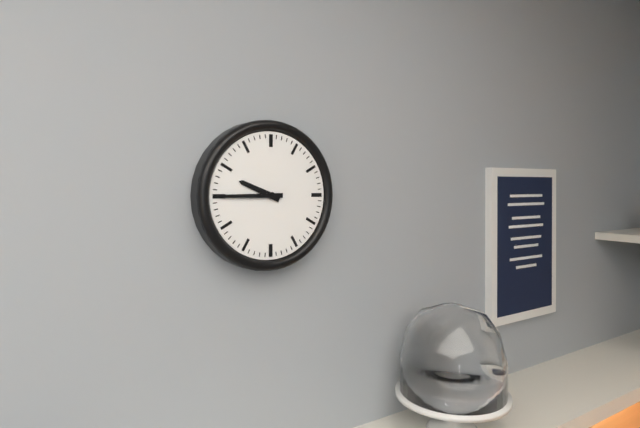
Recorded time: 9:45
